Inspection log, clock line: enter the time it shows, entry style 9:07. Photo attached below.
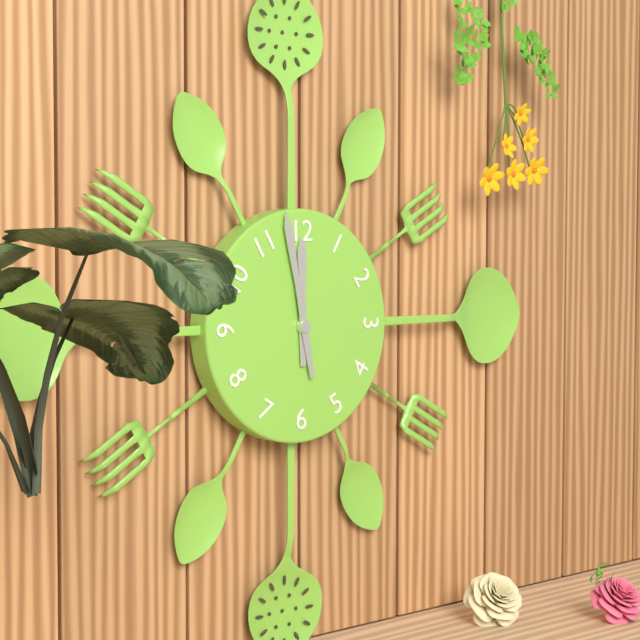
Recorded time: 11:58
